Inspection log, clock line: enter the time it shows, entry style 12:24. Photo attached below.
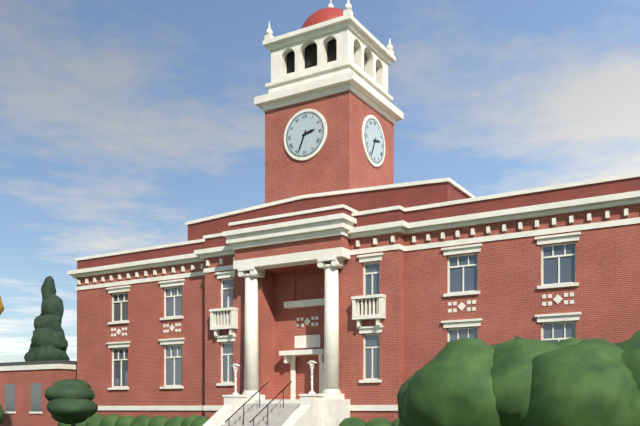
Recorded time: 2:34
